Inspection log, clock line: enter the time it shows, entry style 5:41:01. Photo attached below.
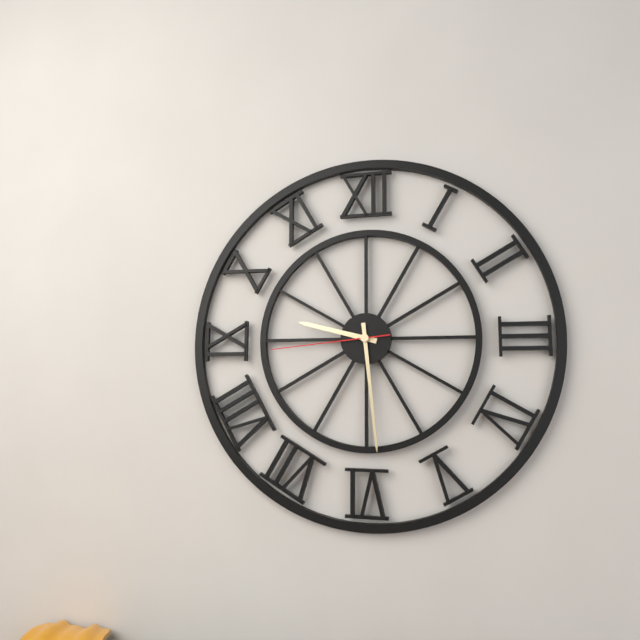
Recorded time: 9:29:44
